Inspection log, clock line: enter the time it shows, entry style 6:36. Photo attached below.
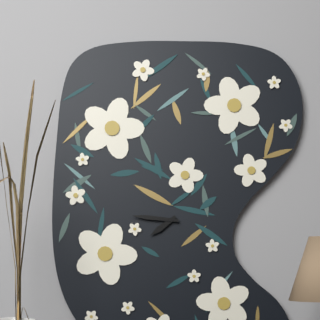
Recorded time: 7:46
